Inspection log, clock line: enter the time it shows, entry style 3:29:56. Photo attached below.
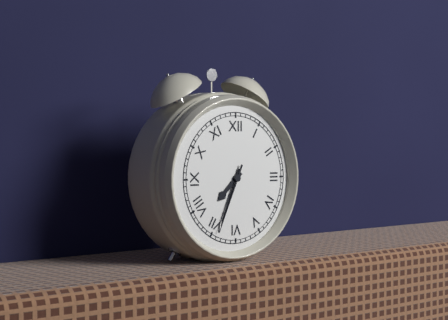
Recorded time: 7:34:34
